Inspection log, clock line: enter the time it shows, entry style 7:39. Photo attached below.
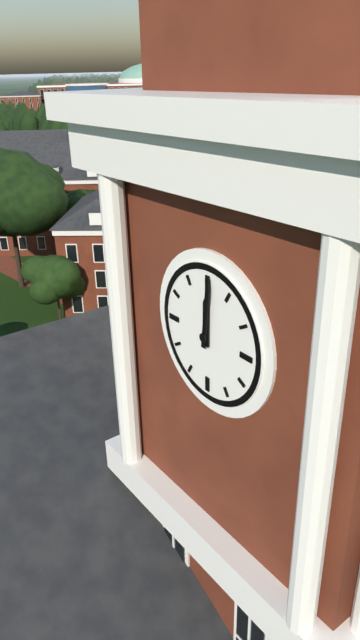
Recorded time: 12:01
